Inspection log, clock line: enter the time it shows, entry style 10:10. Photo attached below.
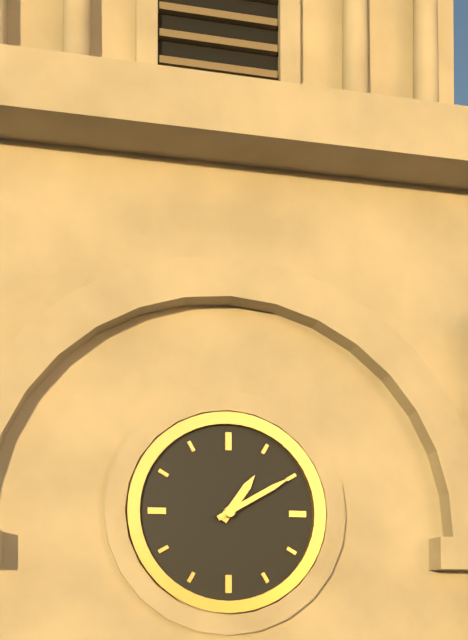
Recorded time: 1:10
